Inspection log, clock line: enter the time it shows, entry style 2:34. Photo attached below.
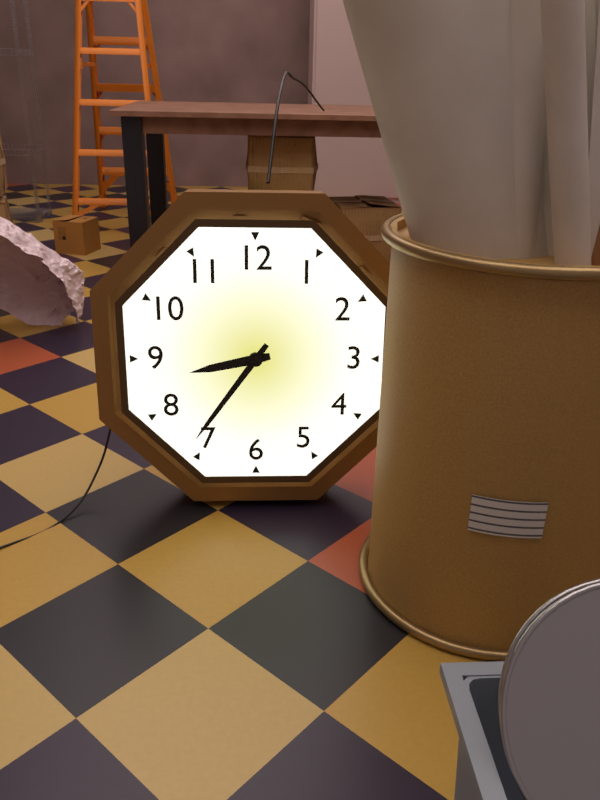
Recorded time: 8:36
